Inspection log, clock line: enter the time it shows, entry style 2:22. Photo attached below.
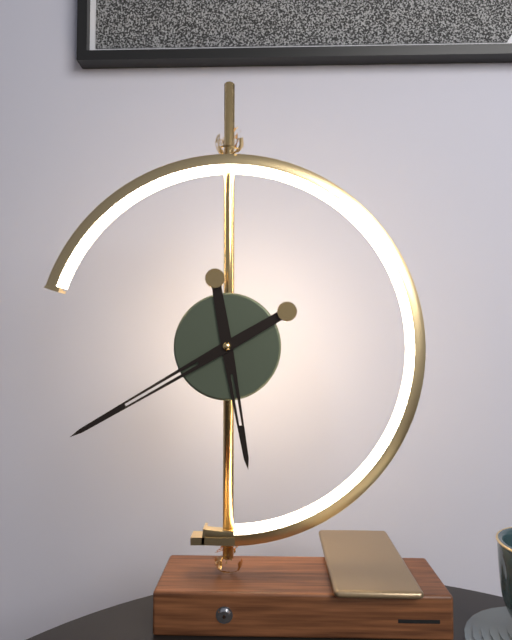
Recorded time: 5:40
